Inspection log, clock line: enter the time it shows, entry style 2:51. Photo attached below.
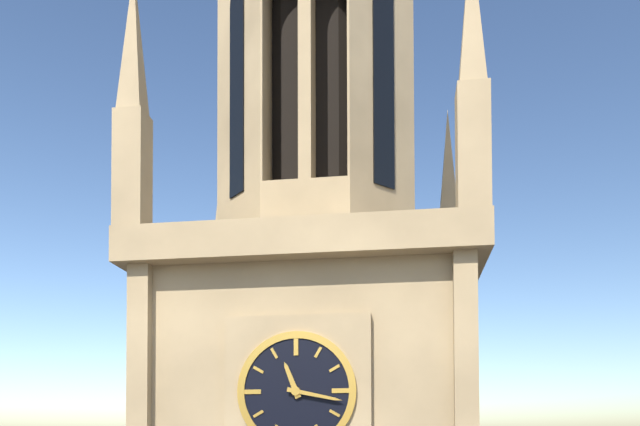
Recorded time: 11:17
